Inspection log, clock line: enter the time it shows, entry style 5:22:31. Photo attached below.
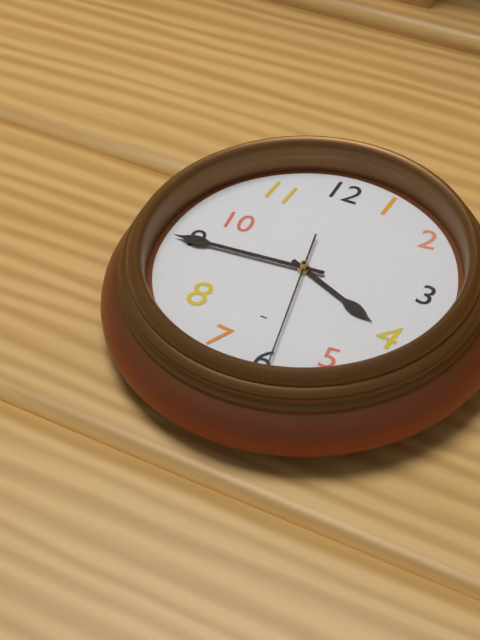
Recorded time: 3:44:28
